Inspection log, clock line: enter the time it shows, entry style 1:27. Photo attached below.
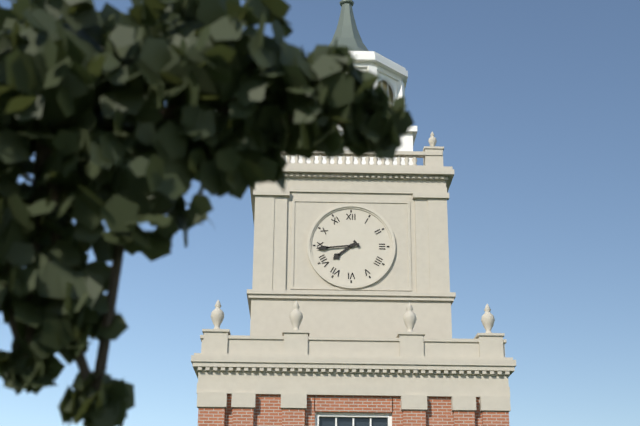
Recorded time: 7:44
